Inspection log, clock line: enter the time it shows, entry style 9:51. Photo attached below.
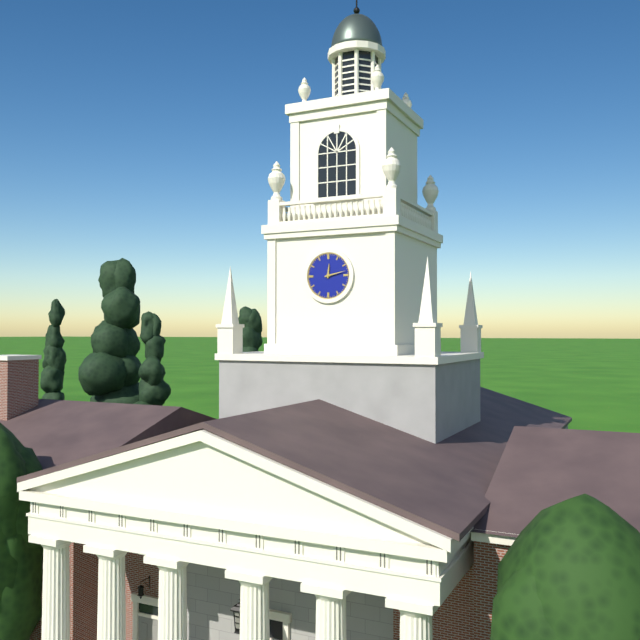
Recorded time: 12:13
